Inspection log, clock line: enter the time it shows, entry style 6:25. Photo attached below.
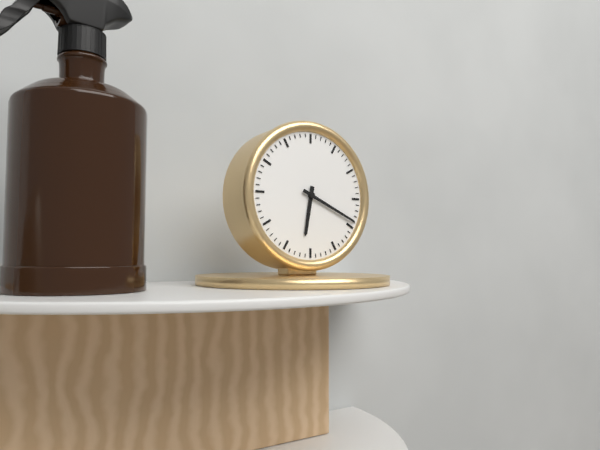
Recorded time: 6:19
